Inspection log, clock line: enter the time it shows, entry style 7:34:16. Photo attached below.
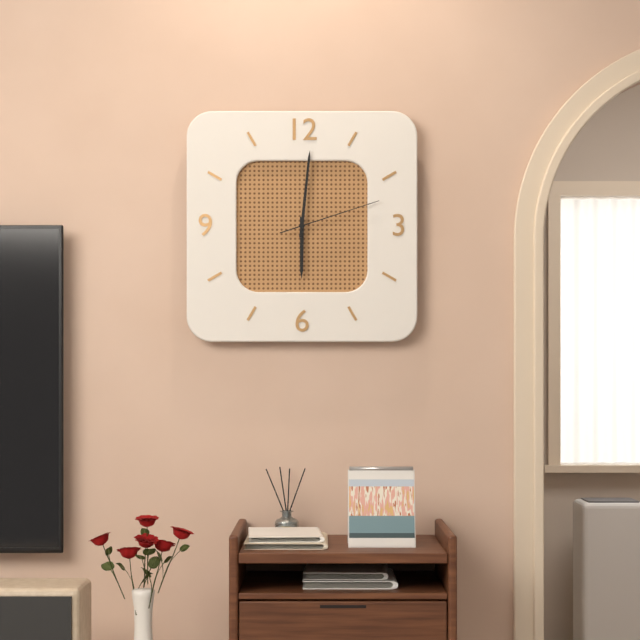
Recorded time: 6:01:12
